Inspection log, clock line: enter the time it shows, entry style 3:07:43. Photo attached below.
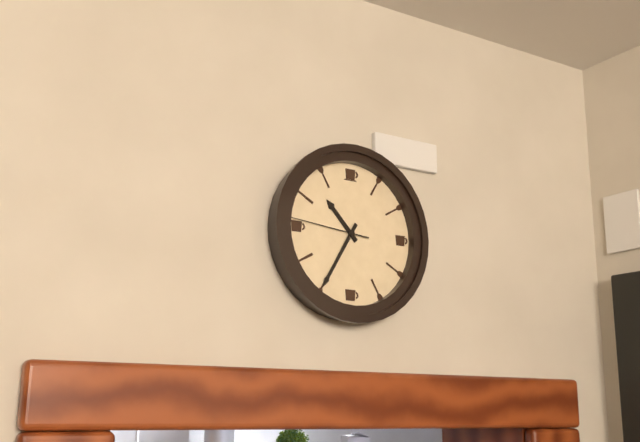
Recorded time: 10:35:46
